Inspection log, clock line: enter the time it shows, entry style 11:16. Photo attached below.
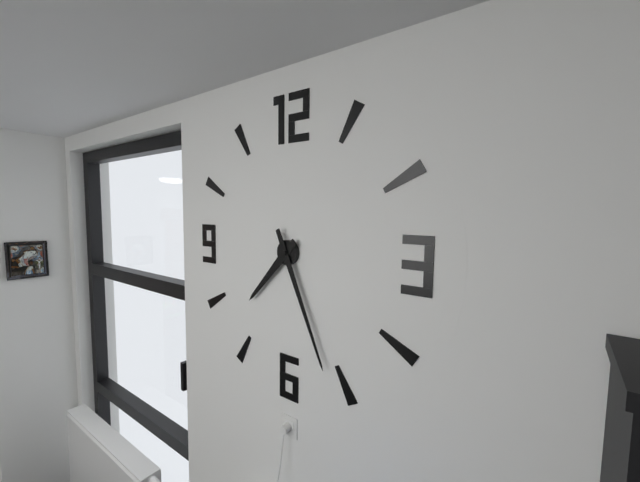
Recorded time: 7:26
